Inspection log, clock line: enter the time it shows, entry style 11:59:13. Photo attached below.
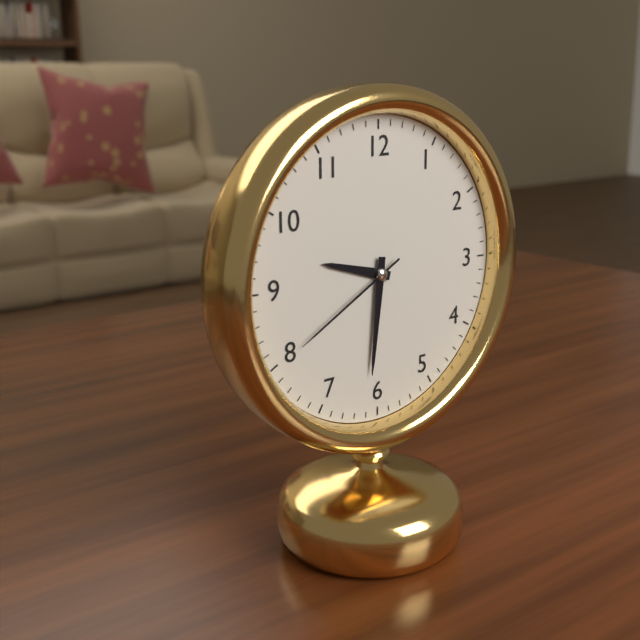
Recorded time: 9:31:40
